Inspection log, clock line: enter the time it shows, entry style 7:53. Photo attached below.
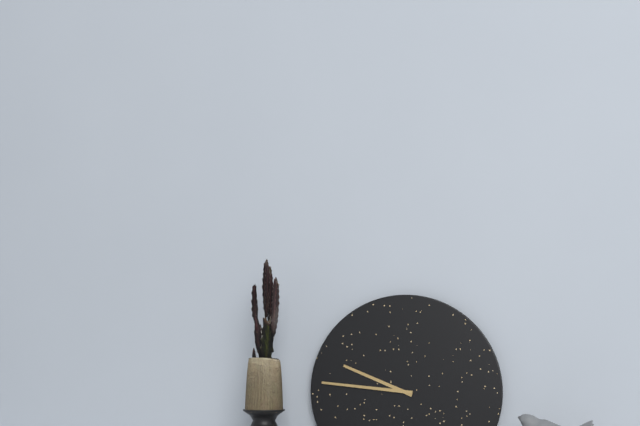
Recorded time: 9:46
